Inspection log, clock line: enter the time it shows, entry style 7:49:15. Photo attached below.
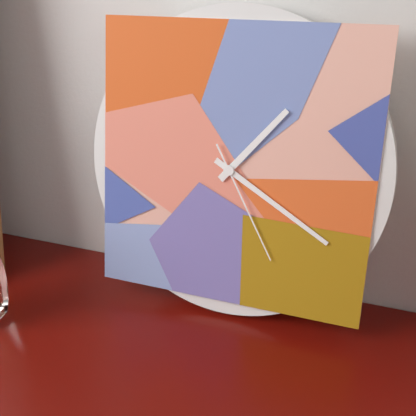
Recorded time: 1:20:25
